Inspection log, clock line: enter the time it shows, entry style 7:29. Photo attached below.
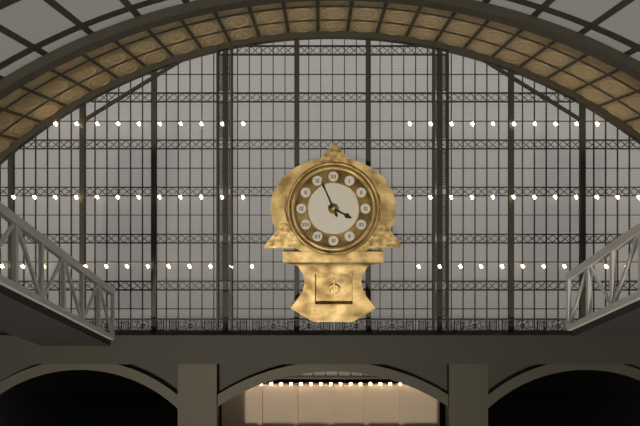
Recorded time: 3:56
